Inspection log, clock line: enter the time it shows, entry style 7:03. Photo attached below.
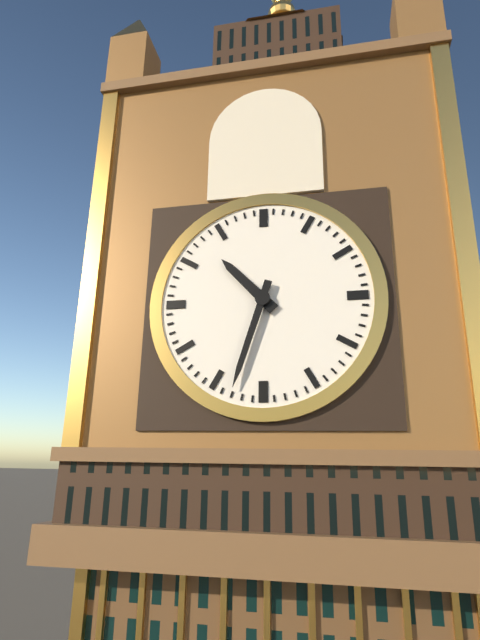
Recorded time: 10:33
